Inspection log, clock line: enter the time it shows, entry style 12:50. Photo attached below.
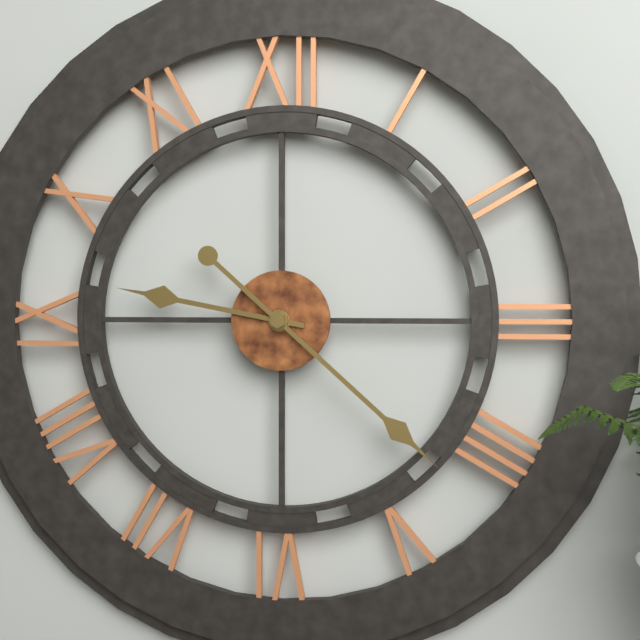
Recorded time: 9:22
